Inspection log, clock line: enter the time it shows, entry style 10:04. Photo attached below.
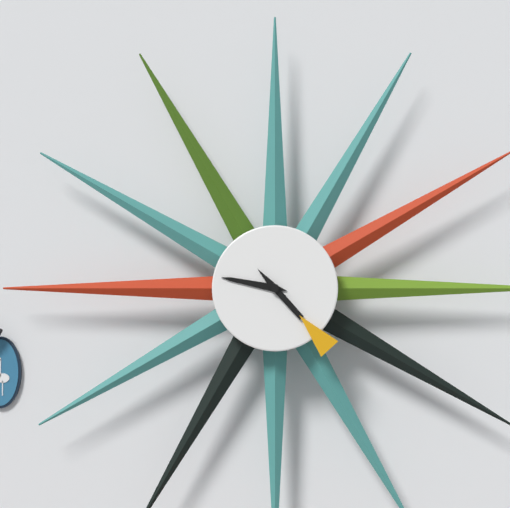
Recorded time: 9:23
